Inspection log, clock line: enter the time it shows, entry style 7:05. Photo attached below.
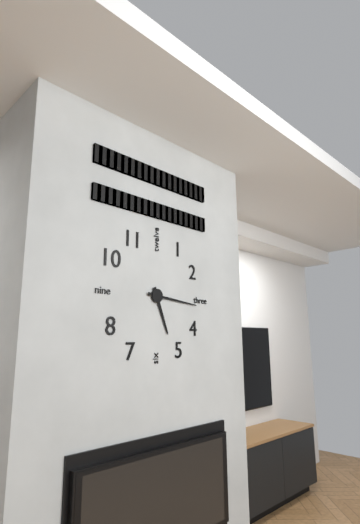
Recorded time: 5:16
